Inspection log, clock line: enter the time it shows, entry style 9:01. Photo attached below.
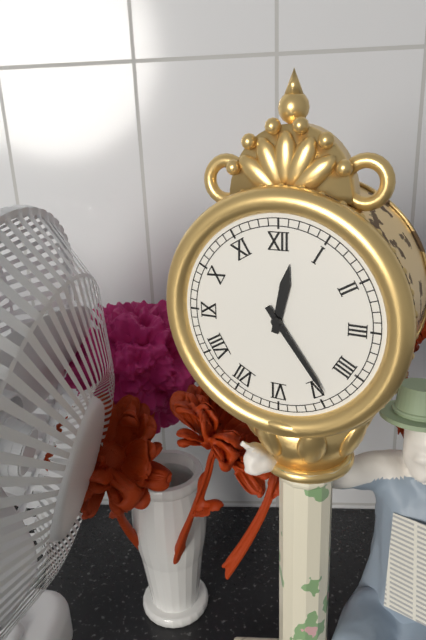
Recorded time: 12:24
